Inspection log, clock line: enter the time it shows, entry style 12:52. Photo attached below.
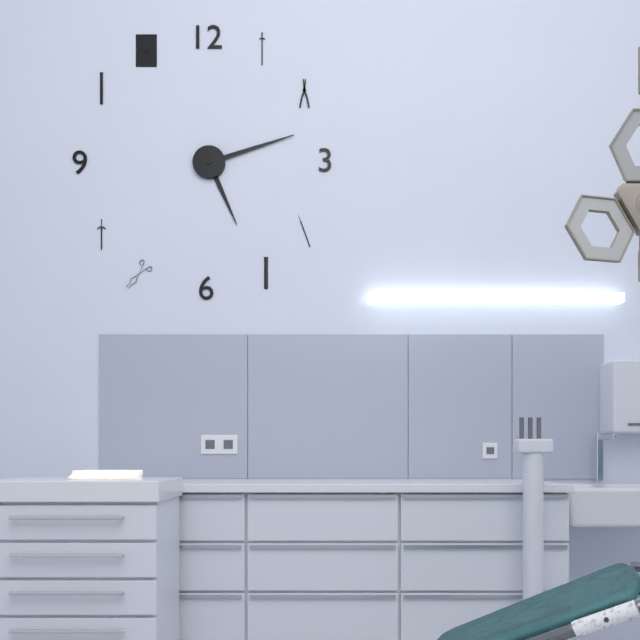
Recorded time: 5:12
